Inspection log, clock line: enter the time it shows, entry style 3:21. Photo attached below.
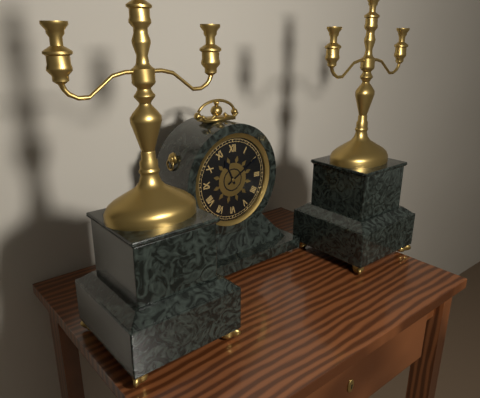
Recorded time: 11:10
